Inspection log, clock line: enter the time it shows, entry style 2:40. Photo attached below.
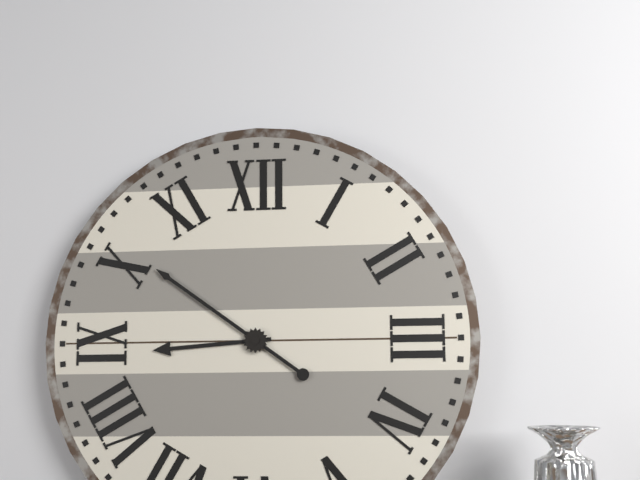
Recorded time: 8:51
